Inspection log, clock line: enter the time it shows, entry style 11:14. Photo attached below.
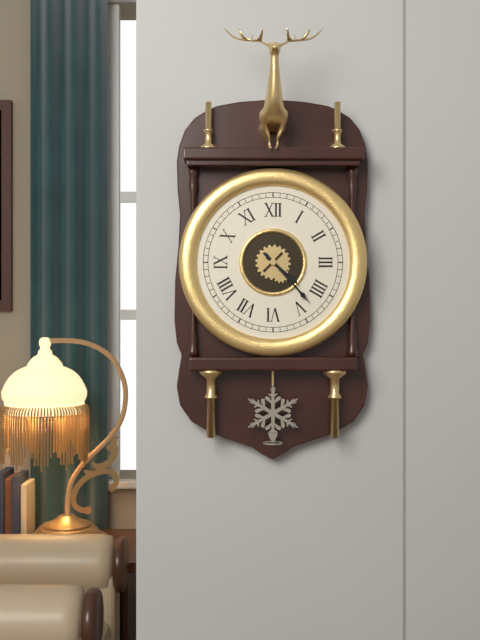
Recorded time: 4:23
